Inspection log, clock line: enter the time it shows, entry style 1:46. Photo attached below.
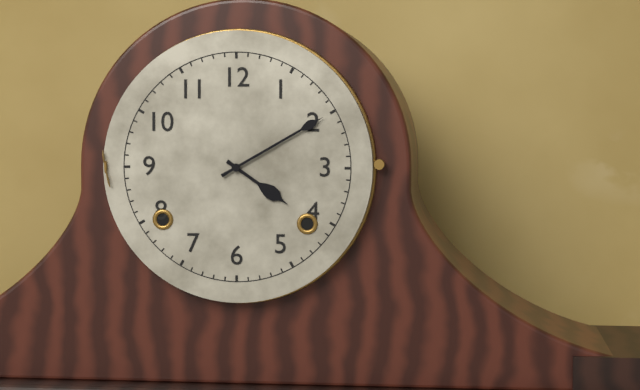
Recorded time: 4:10
